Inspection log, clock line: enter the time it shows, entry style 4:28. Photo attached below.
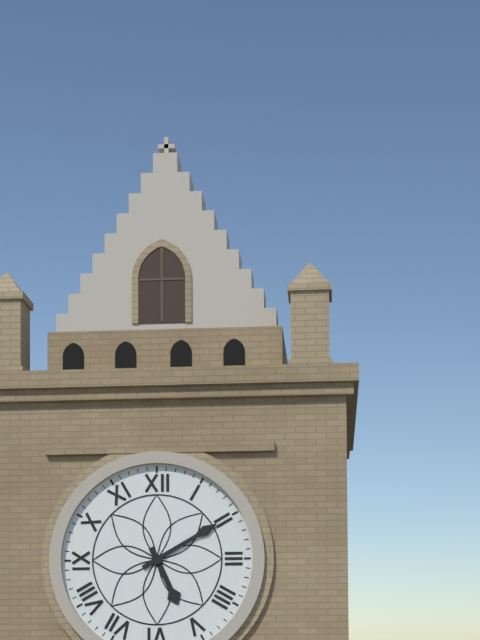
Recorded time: 5:10
